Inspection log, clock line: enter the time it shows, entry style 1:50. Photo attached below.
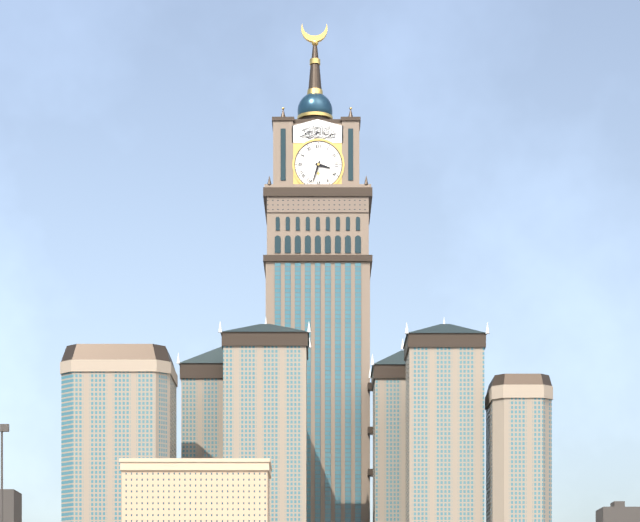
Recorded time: 3:33
